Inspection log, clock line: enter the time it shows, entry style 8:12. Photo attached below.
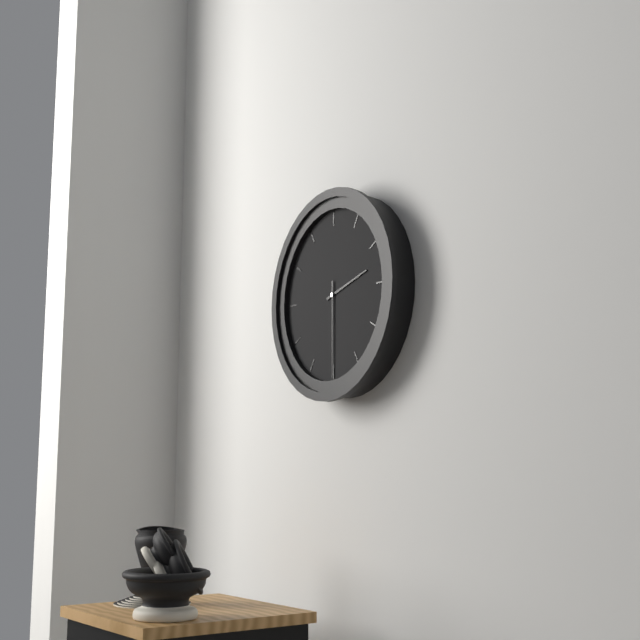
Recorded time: 2:30
